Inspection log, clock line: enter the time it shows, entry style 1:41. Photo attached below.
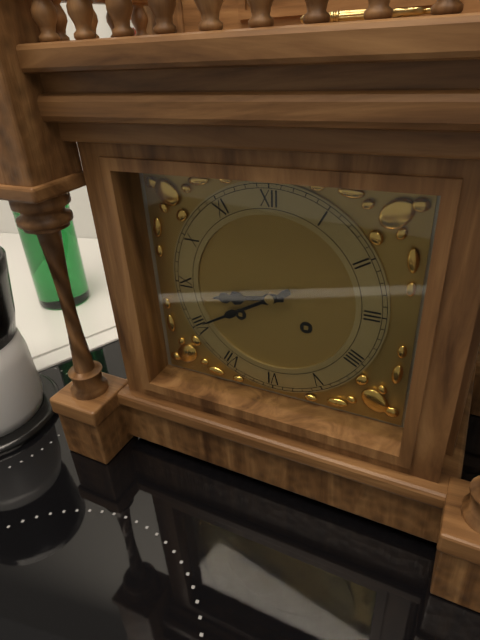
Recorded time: 8:40
